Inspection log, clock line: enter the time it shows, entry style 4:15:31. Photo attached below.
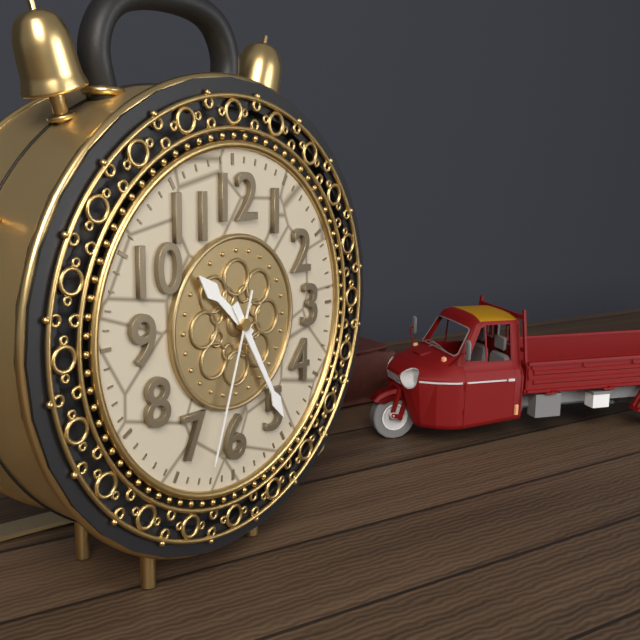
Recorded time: 10:25:33
